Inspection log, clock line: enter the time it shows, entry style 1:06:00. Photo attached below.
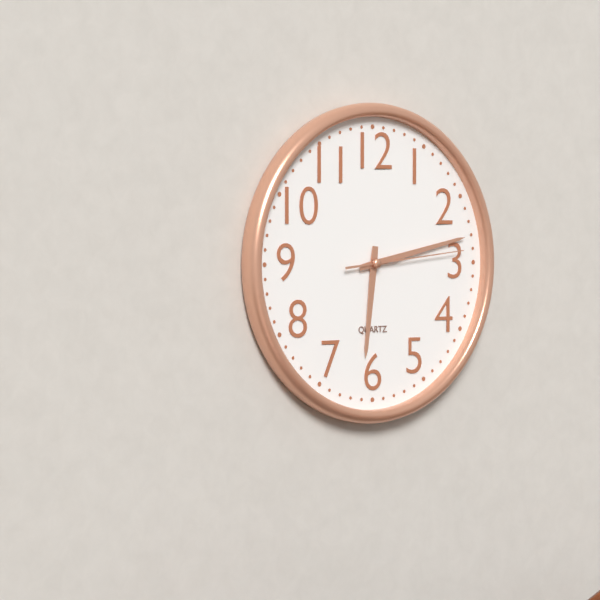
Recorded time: 6:13:14
